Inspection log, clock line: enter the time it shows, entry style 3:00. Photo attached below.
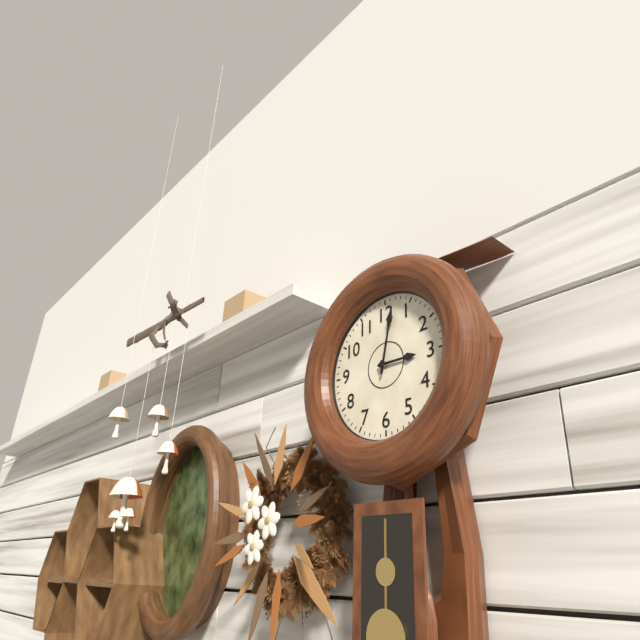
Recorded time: 3:02
